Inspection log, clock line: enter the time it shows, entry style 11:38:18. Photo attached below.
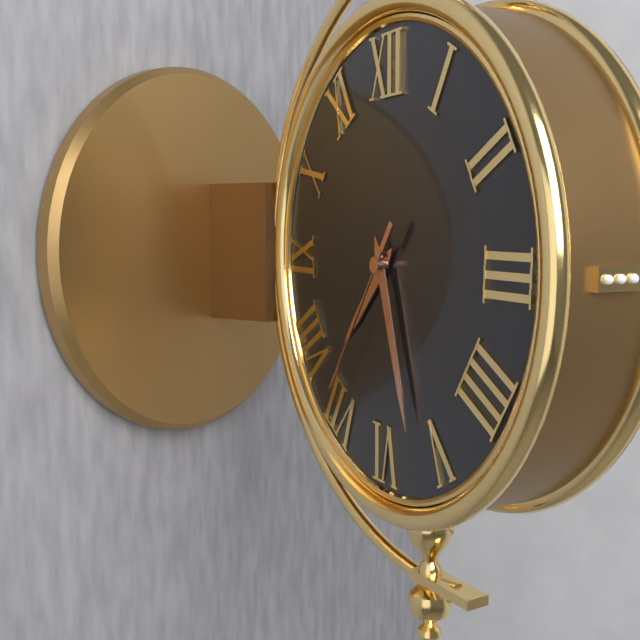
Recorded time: 7:27:36
